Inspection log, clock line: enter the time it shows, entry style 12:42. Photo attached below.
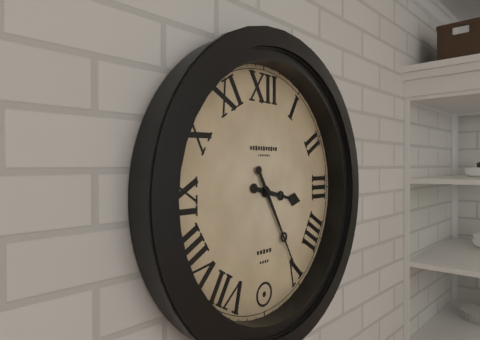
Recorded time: 3:25
